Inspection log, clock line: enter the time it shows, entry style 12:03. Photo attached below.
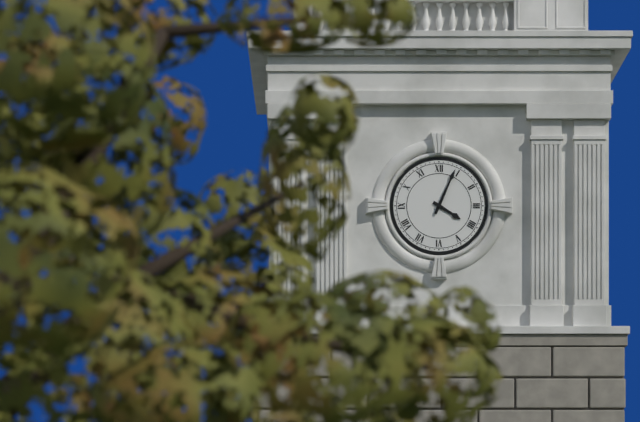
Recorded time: 4:04
